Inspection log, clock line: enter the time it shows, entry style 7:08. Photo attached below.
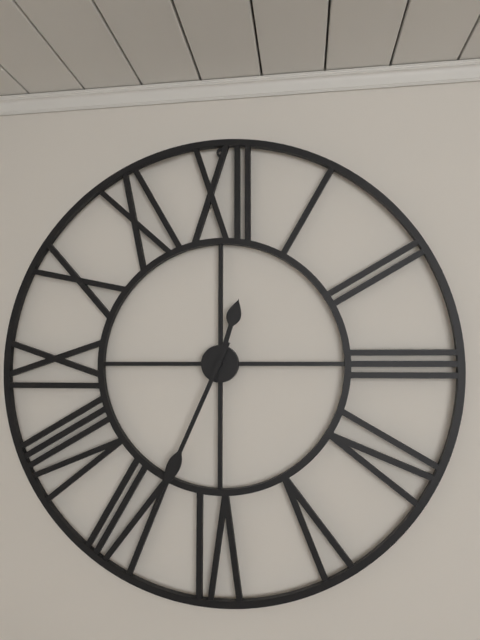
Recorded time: 12:34
